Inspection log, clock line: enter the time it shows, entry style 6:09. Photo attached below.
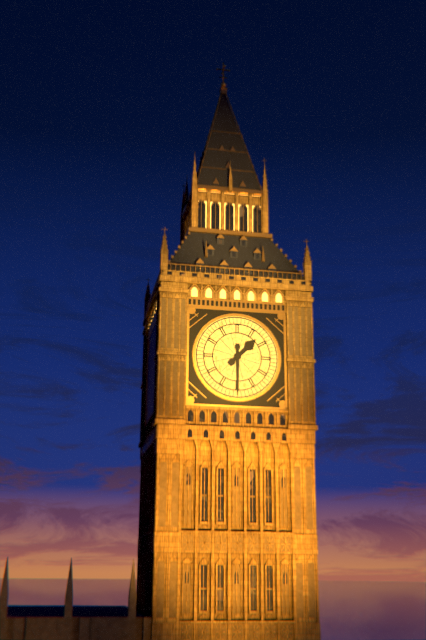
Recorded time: 1:30
